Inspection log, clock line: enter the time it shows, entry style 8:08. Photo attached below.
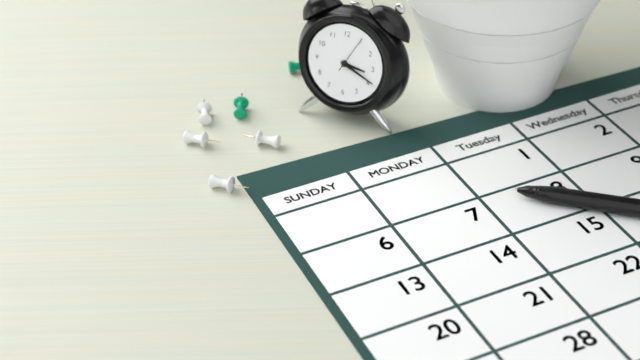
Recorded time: 3:19
